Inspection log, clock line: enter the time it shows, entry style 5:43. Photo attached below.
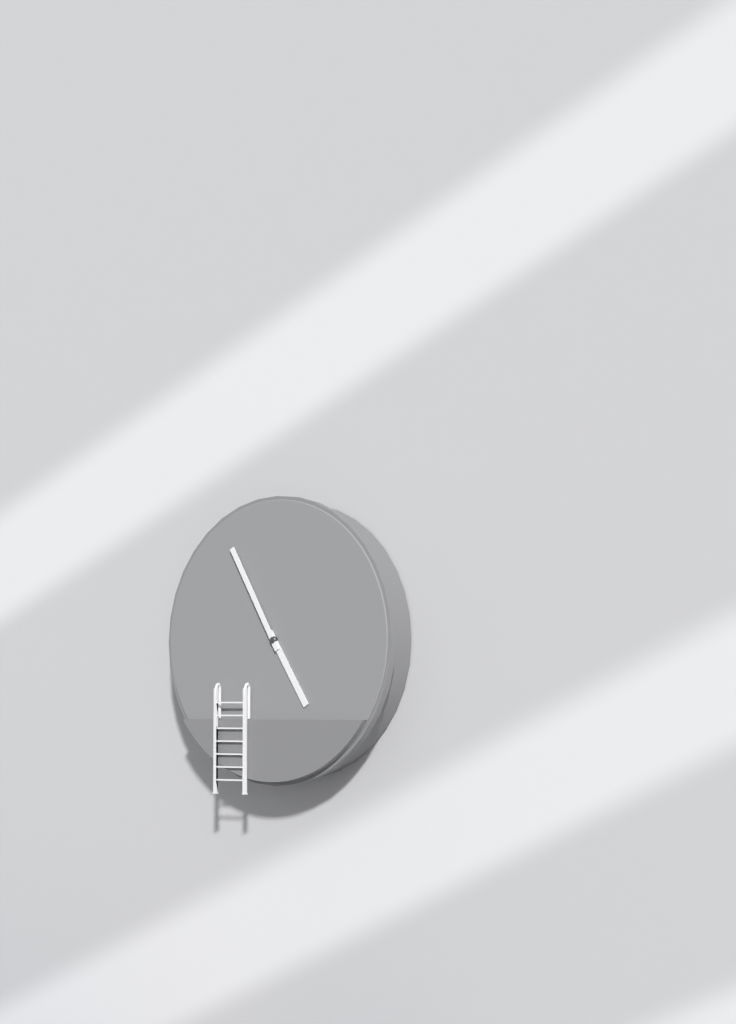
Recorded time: 4:55
